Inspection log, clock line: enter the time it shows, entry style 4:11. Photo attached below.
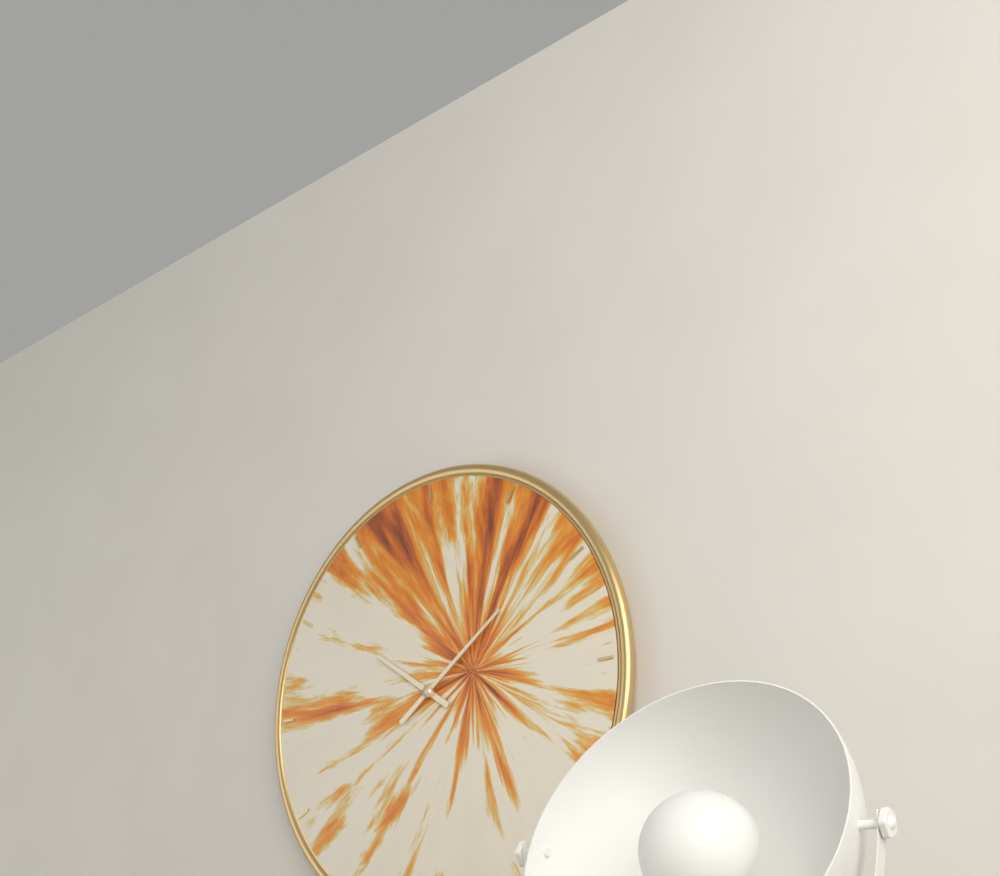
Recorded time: 10:09
